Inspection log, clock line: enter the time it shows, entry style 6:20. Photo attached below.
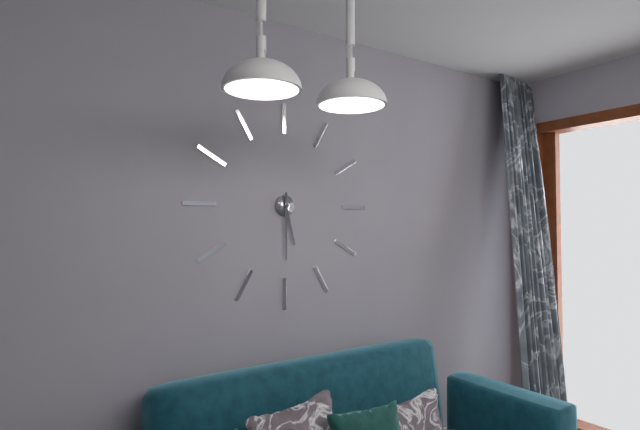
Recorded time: 5:30
